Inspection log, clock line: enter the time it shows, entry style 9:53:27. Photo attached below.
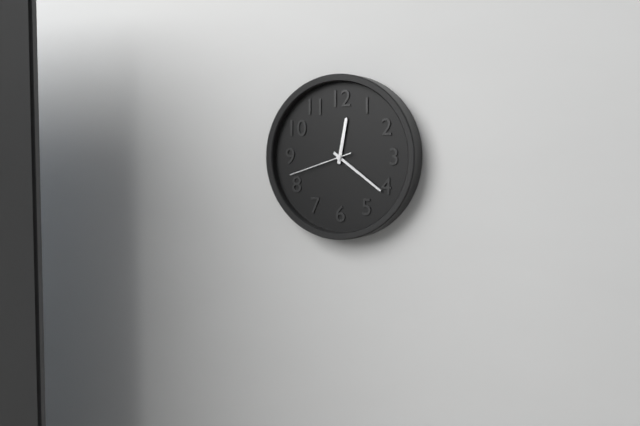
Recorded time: 12:21:42
